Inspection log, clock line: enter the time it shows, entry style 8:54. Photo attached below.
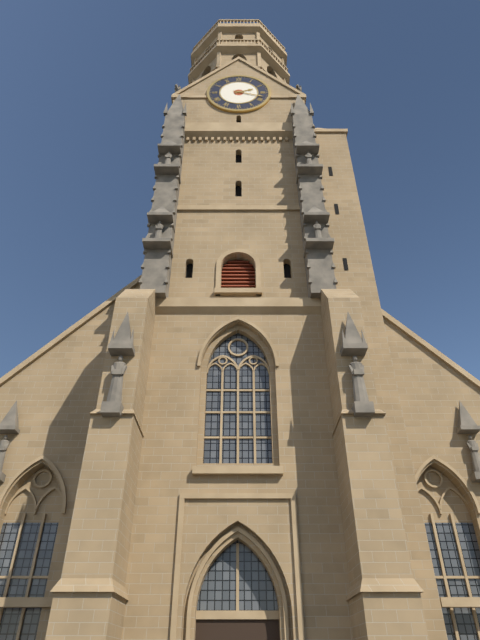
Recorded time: 2:18
